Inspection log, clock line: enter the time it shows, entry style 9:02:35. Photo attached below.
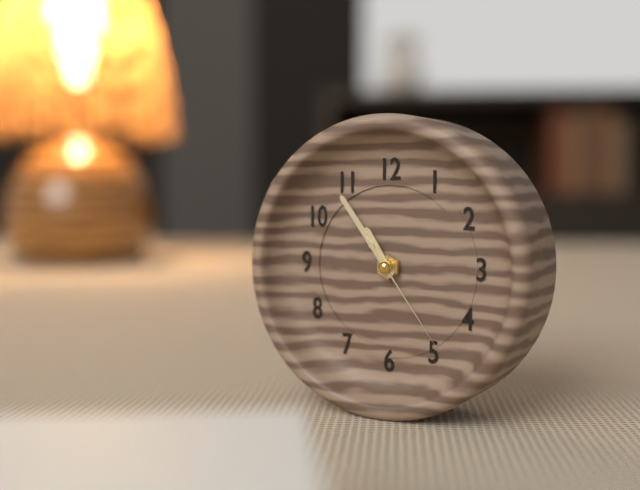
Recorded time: 10:54:24
